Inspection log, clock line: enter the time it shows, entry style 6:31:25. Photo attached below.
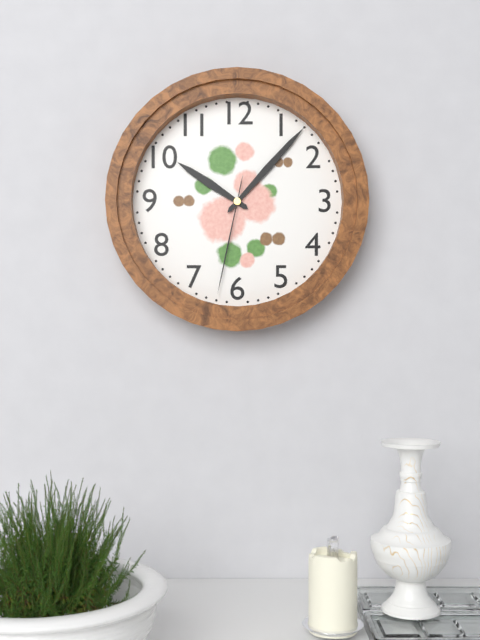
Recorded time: 10:07:32
